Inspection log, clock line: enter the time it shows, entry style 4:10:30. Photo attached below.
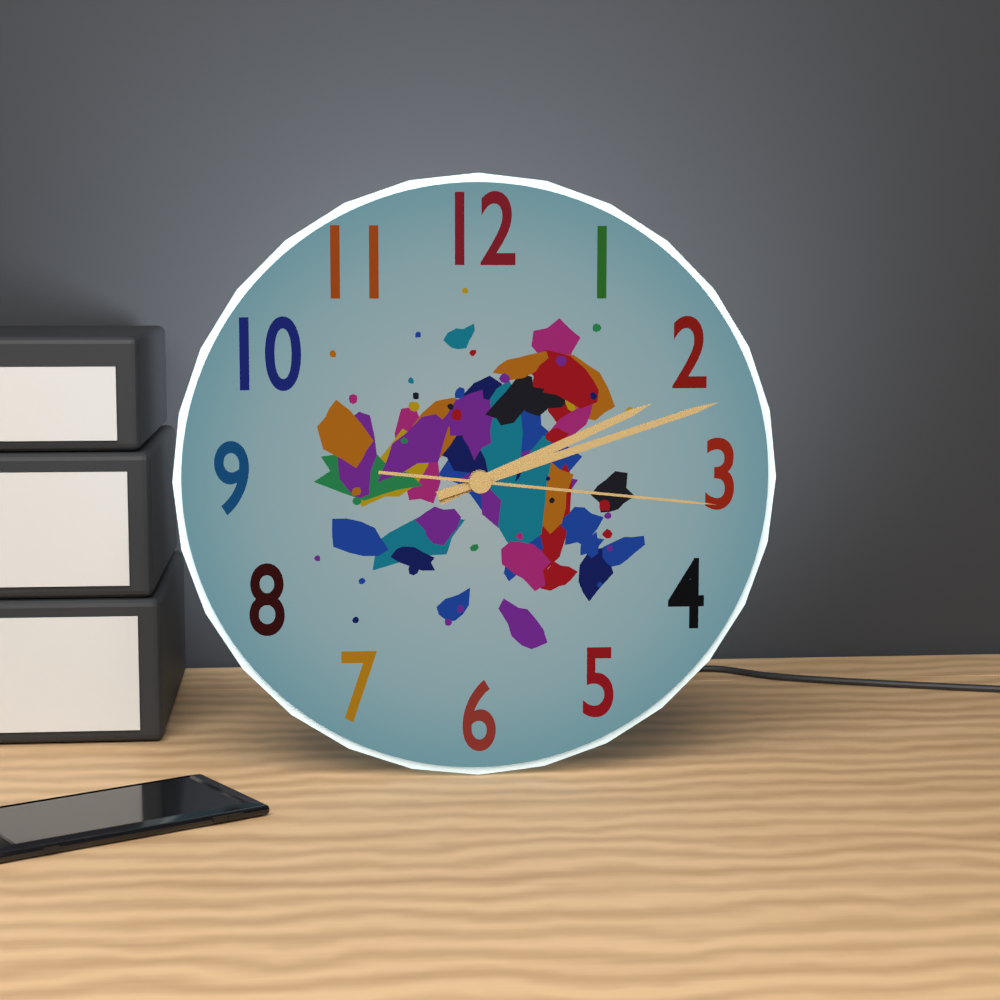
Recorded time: 2:12:16
